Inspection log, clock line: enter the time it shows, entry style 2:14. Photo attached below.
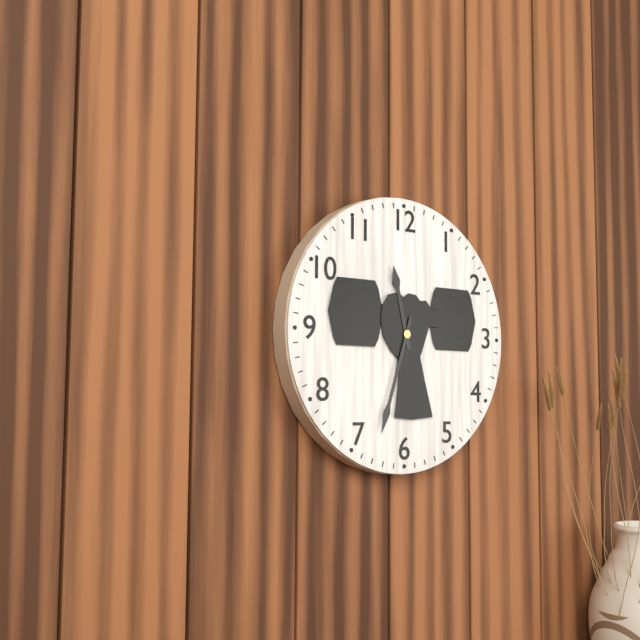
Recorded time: 11:33
